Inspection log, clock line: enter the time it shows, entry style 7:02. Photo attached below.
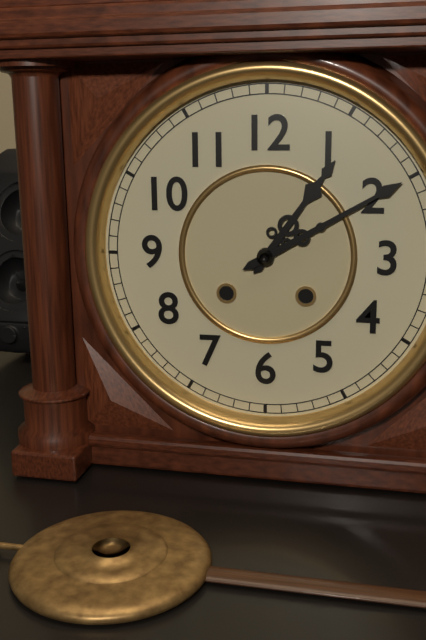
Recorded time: 1:10
